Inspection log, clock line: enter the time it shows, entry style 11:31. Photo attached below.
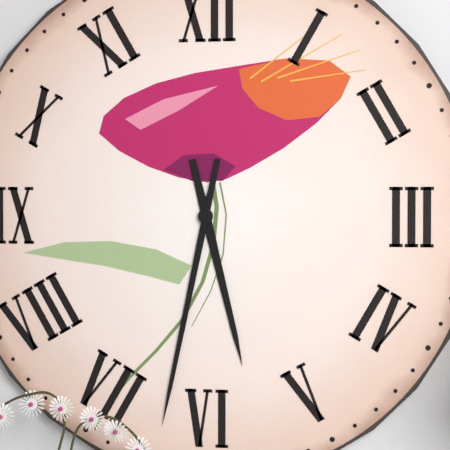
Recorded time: 5:32
